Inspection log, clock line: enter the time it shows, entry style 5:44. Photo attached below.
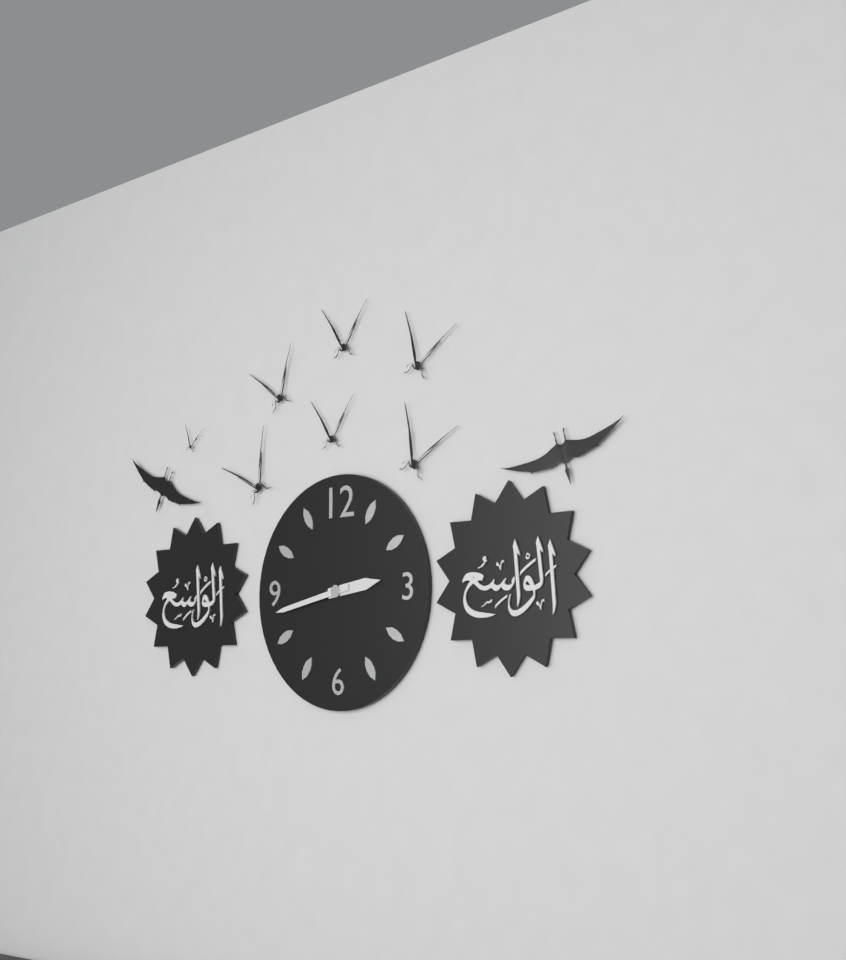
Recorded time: 2:43
